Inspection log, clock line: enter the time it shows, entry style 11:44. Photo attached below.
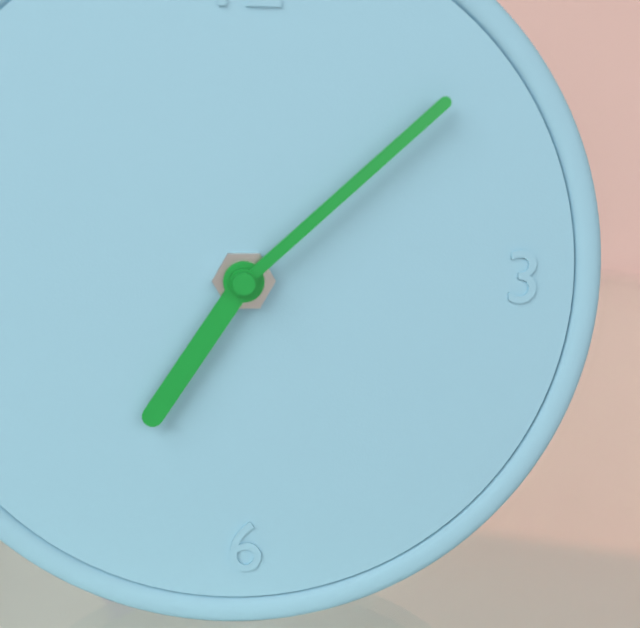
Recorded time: 7:08
